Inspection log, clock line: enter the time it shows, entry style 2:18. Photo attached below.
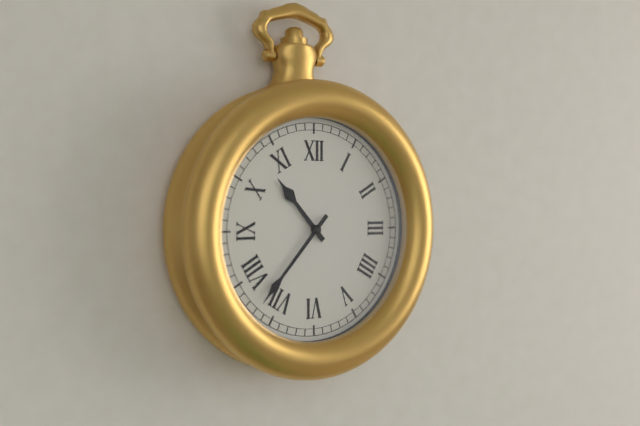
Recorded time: 10:37
